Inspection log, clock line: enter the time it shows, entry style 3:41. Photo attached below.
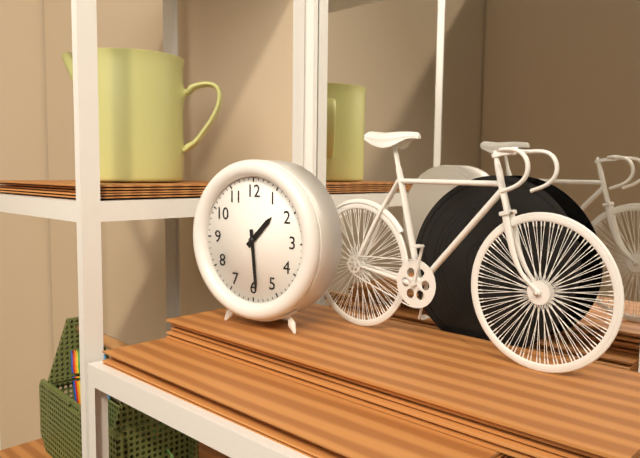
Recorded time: 1:29
